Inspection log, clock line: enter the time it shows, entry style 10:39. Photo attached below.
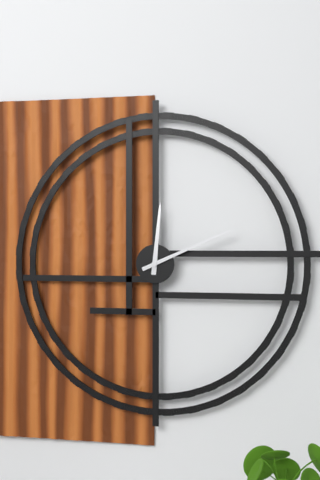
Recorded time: 12:11
